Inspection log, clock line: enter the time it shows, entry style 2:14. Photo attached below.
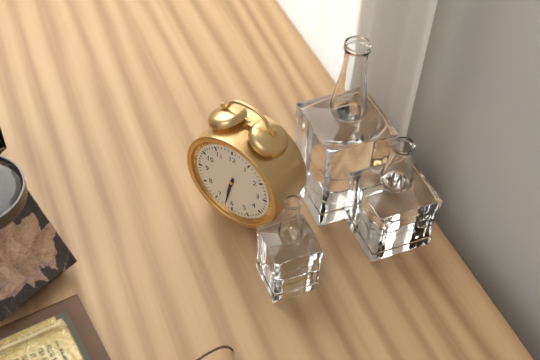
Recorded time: 6:32
